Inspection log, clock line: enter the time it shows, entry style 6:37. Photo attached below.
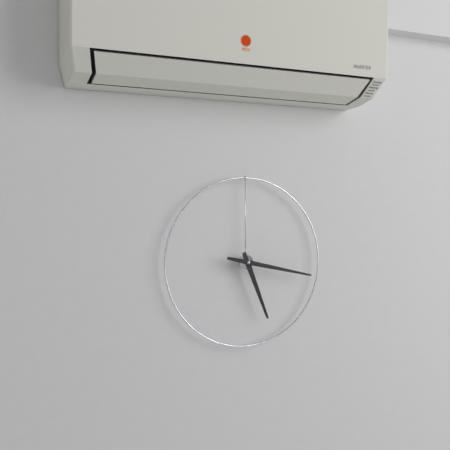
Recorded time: 5:17
